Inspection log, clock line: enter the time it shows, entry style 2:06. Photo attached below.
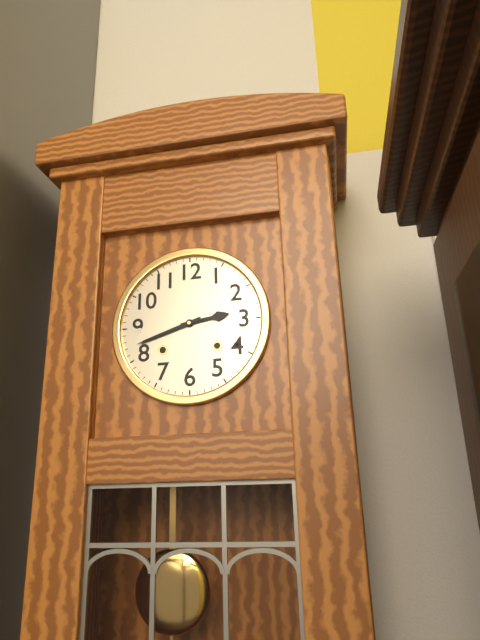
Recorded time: 2:42
